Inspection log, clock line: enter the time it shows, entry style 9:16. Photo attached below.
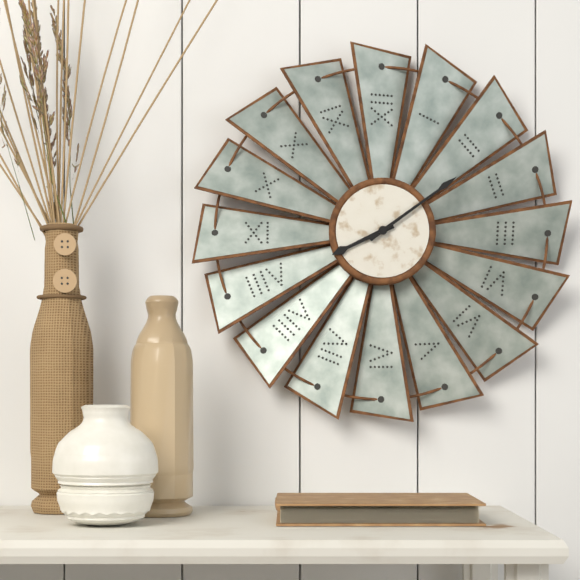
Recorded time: 8:09
